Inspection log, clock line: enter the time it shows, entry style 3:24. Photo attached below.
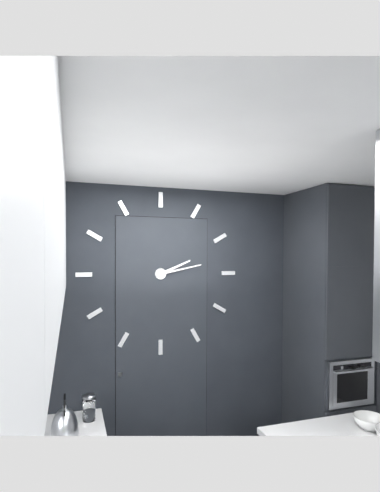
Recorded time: 2:13
